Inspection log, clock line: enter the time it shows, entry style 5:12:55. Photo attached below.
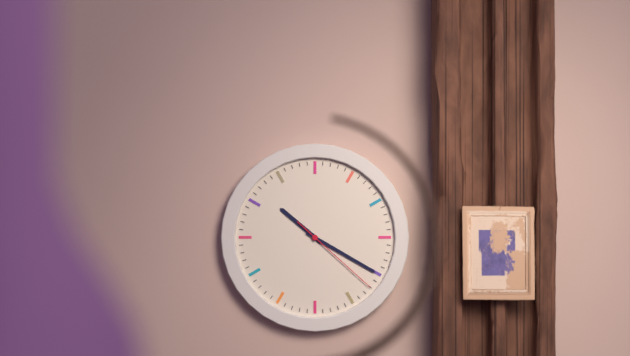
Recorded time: 10:20:22
